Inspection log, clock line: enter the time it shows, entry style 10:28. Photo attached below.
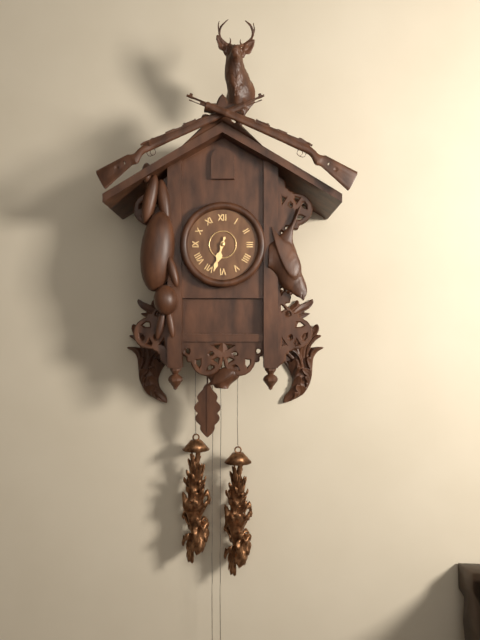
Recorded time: 6:33
